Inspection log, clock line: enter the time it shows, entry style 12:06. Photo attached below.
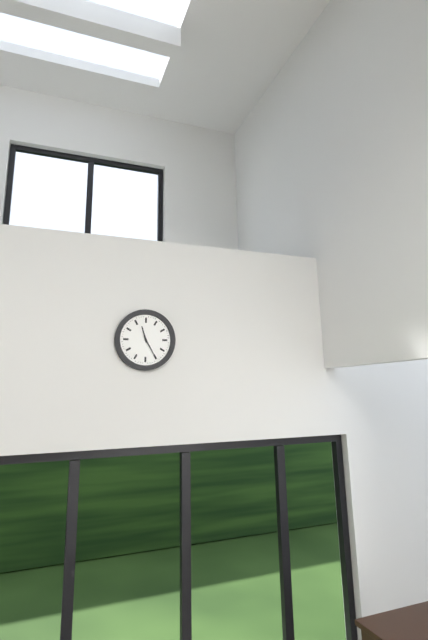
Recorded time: 11:25
